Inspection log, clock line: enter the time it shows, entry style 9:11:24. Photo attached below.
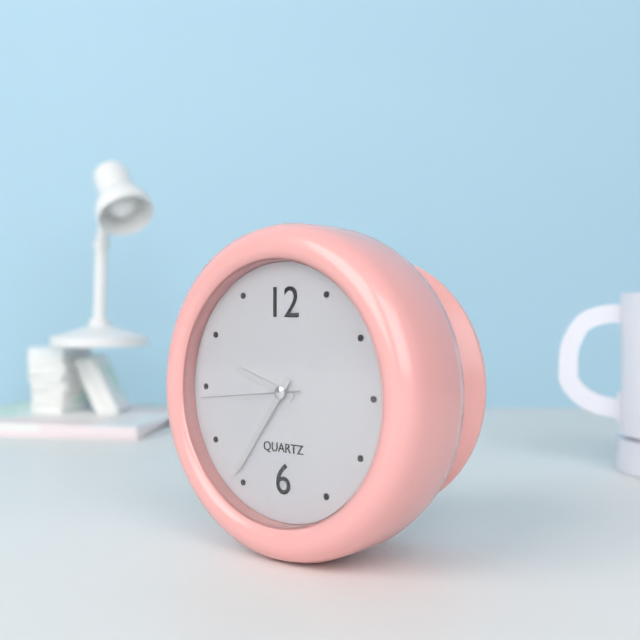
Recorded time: 9:36:44
